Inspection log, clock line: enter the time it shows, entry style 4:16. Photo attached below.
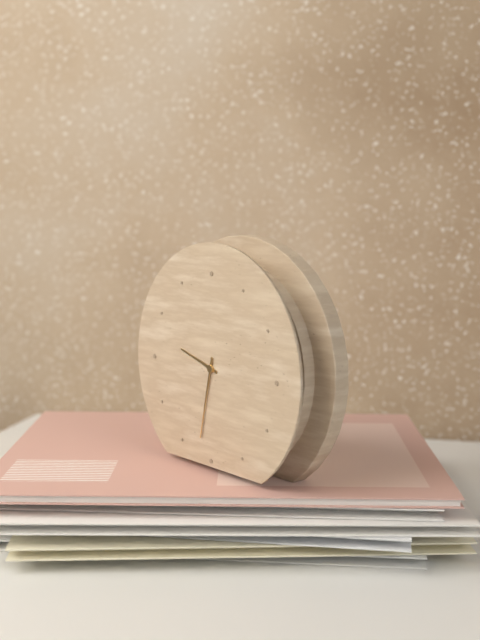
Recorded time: 9:32
